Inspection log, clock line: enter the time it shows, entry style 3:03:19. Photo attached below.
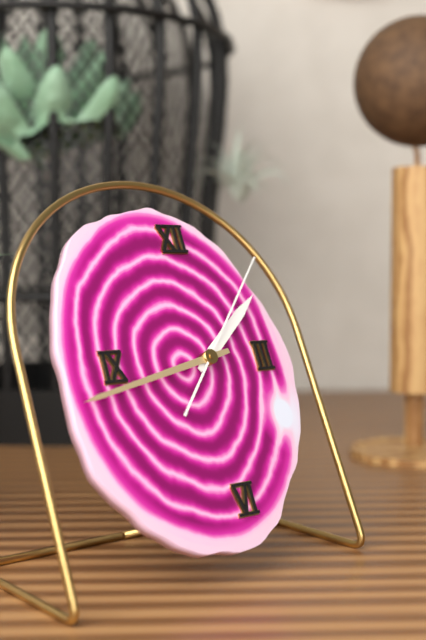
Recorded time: 1:43:07
